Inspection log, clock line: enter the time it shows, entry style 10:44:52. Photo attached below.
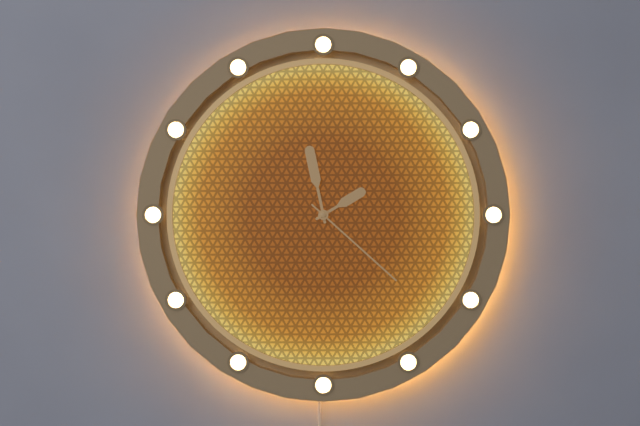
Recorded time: 1:58:22
